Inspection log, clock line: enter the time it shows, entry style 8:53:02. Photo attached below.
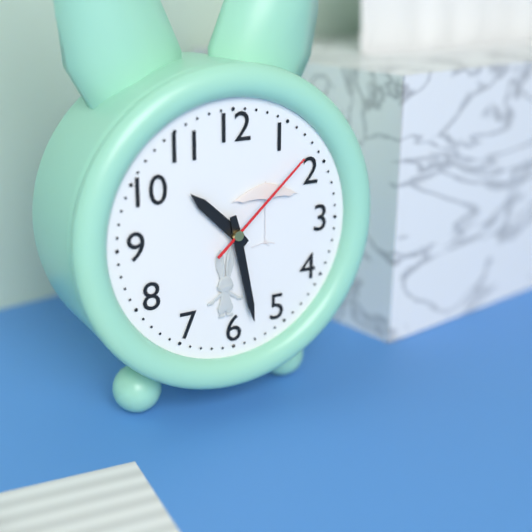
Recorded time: 10:28:08
